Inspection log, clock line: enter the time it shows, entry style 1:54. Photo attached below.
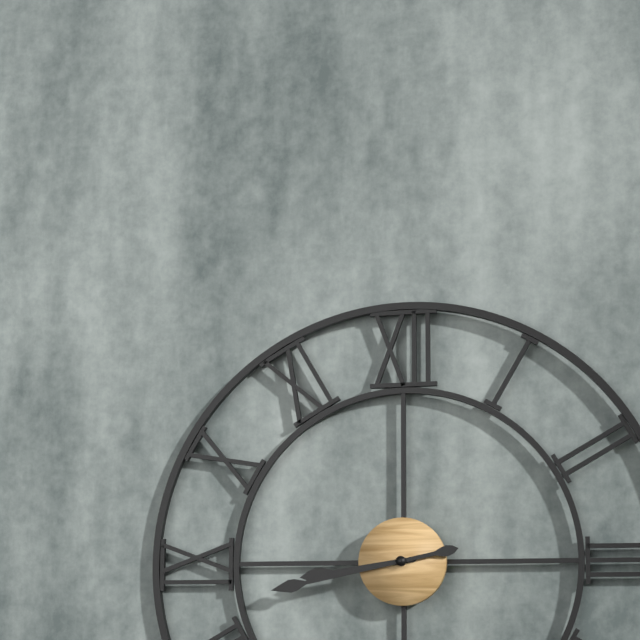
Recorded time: 8:43
